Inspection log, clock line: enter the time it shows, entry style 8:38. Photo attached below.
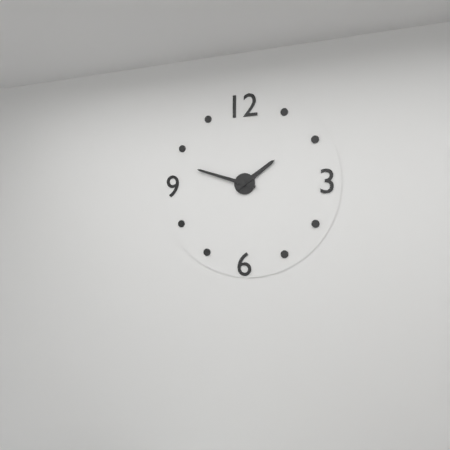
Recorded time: 1:48
